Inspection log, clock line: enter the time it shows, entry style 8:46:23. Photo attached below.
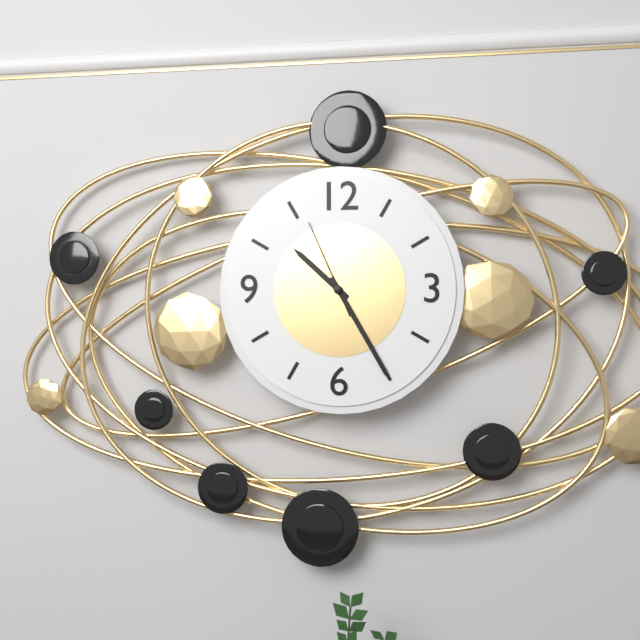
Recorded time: 10:25:56
